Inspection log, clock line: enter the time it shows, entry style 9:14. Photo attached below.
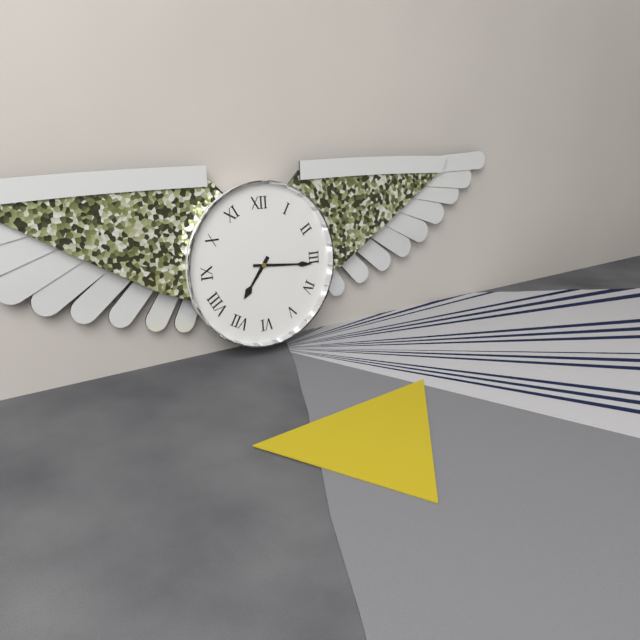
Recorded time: 7:16
